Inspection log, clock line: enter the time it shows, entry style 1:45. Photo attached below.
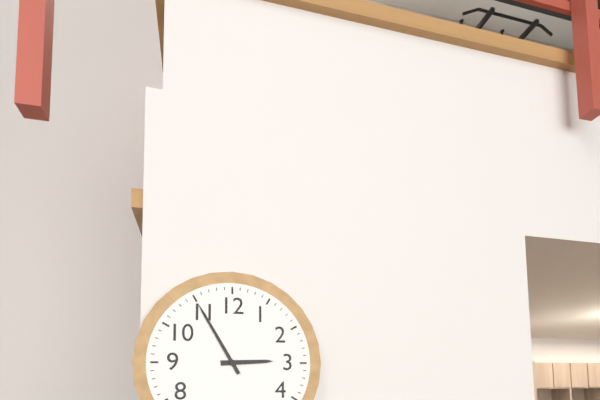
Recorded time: 2:55
